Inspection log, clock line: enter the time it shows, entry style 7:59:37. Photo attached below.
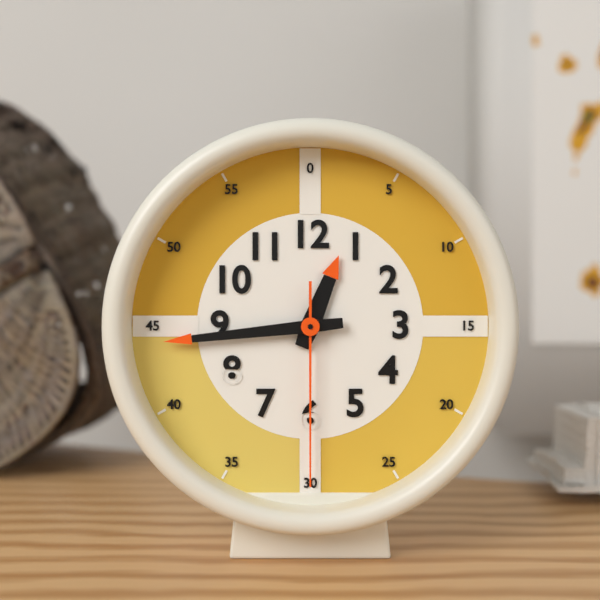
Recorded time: 12:44:30
